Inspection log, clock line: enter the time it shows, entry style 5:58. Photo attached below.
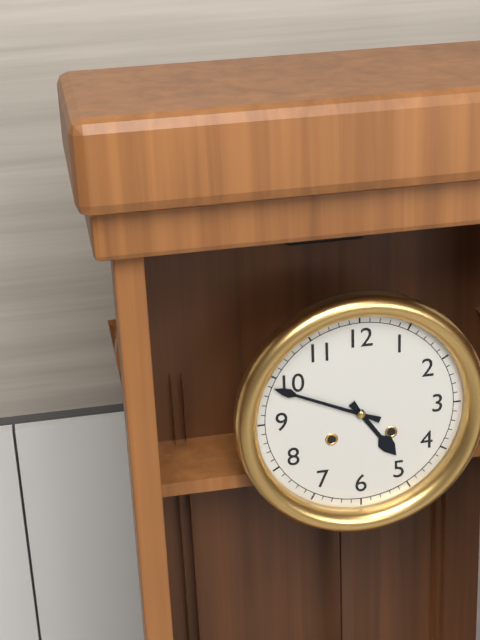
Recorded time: 4:49
